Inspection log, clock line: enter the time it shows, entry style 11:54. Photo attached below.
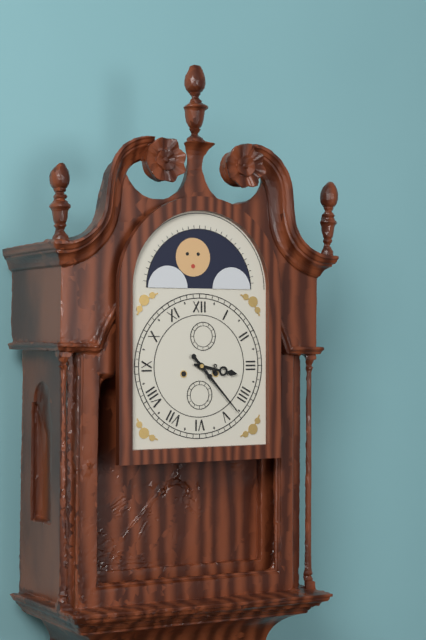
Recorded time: 3:23
